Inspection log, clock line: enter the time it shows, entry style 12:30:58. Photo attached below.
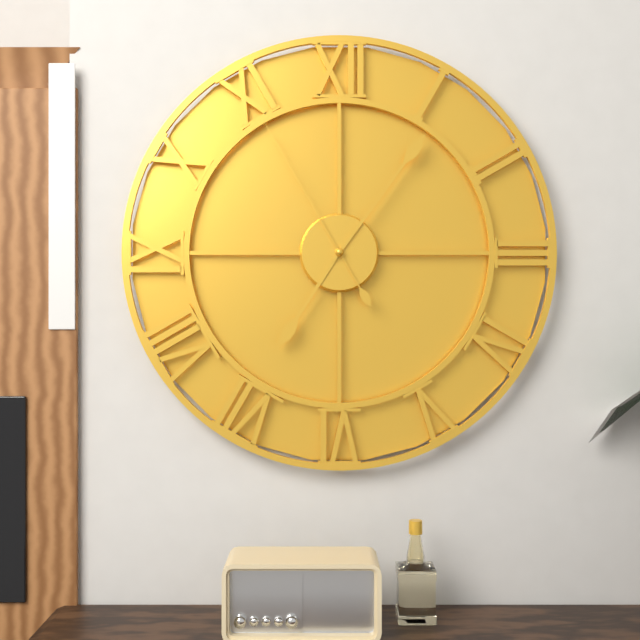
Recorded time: 7:06:55
